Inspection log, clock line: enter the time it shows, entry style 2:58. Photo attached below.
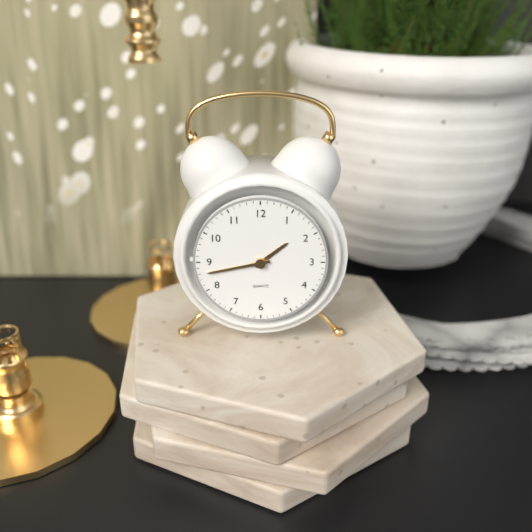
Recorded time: 1:43
